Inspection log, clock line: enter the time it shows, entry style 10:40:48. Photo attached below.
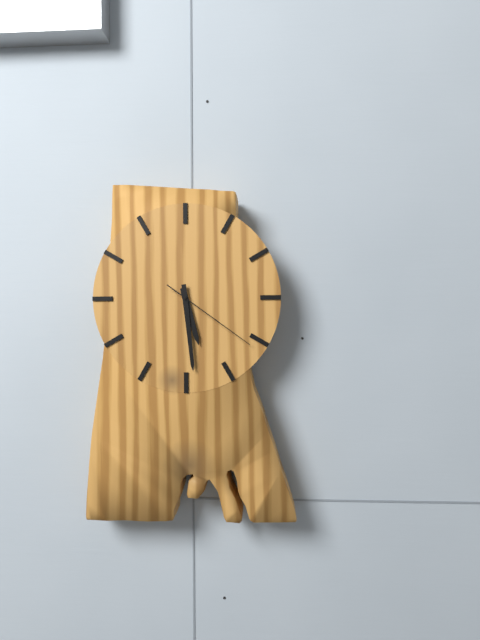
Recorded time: 5:29:21
